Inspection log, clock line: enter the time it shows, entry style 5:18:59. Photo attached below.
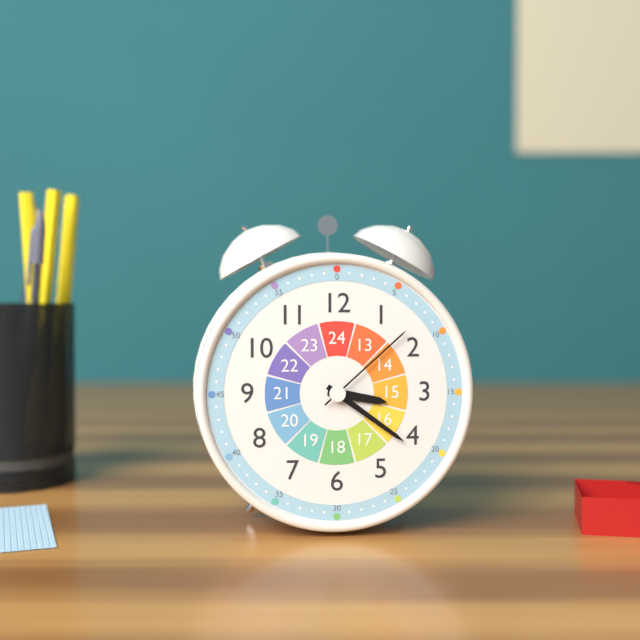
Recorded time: 3:21:08
